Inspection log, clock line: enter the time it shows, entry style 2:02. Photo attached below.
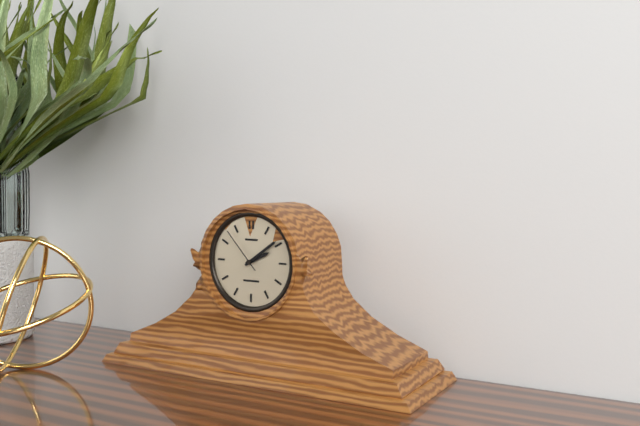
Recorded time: 2:09
